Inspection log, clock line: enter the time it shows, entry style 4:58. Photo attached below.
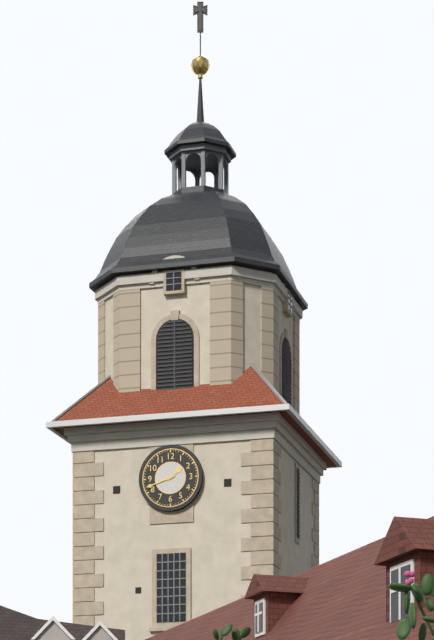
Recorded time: 1:42
